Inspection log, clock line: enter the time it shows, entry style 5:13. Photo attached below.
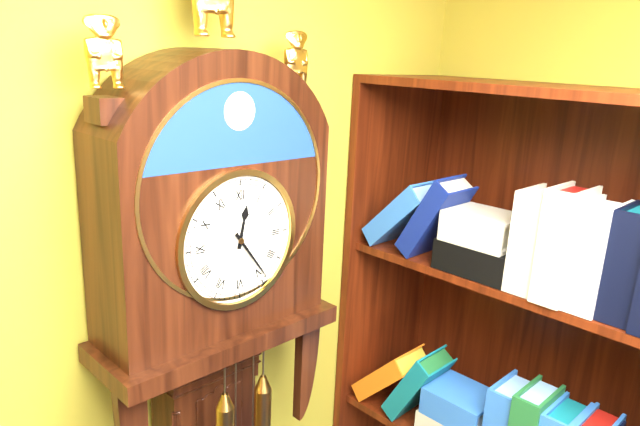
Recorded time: 12:24
